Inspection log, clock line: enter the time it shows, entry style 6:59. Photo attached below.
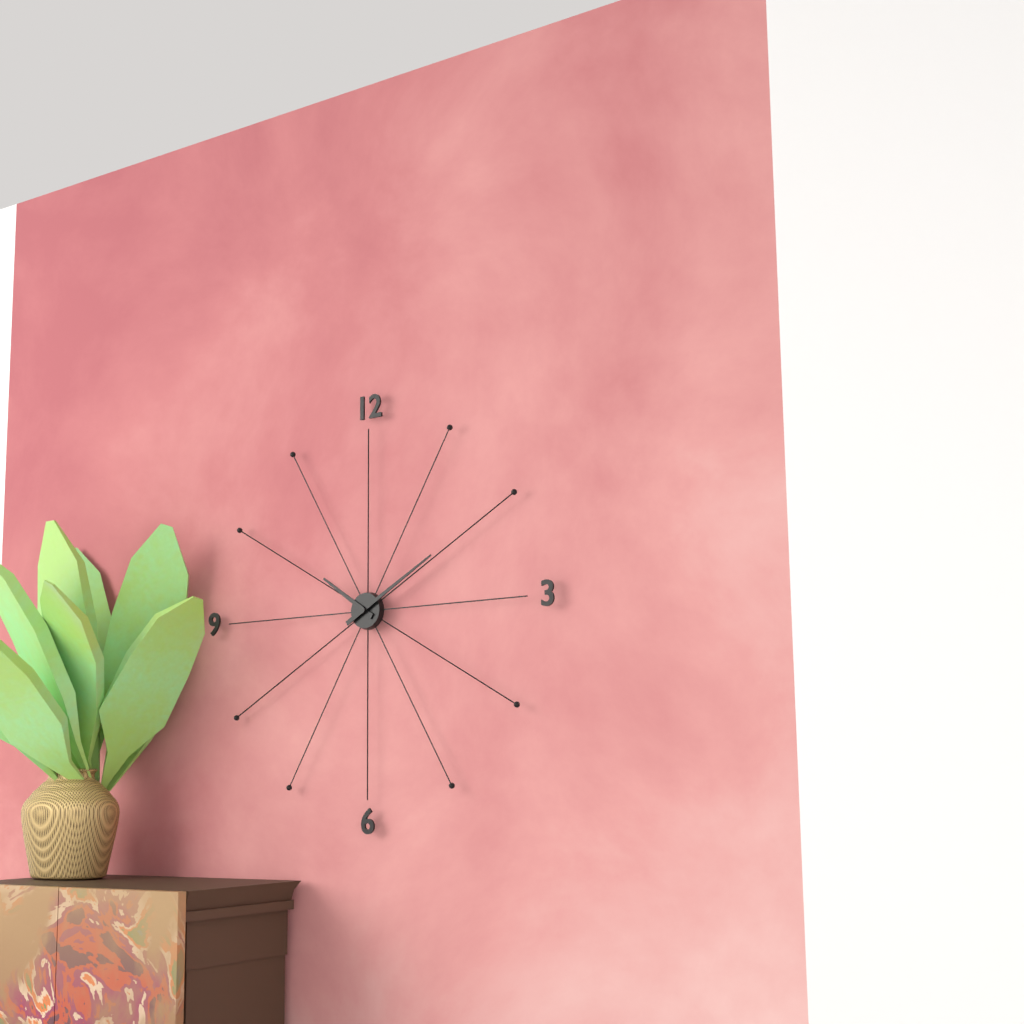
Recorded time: 10:10
